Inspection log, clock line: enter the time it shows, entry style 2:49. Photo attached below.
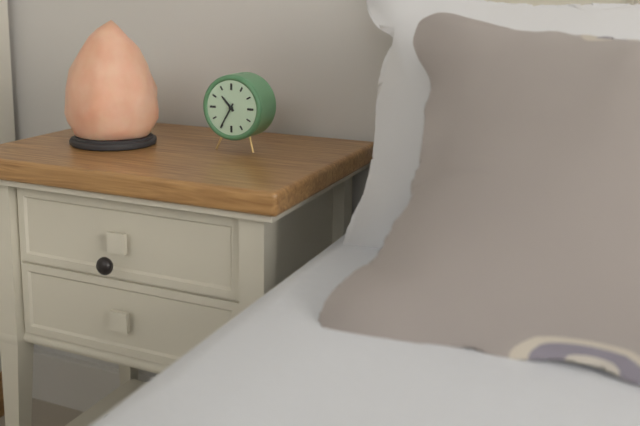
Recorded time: 10:35
